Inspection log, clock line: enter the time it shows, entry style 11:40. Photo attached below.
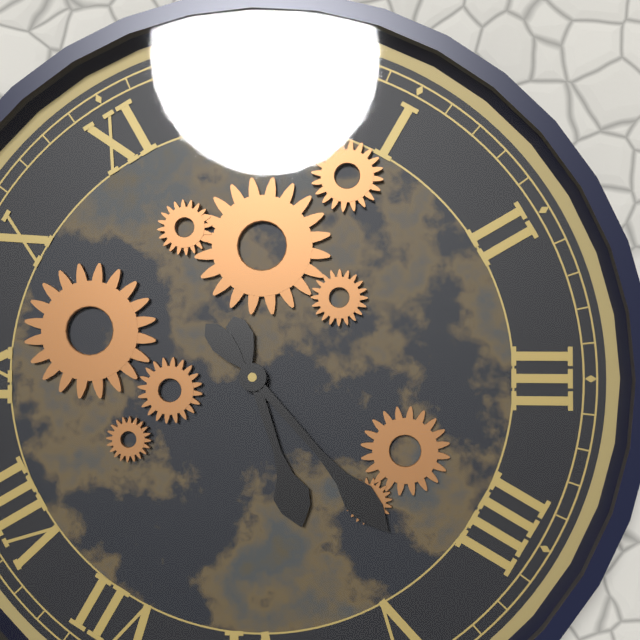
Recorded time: 5:23
